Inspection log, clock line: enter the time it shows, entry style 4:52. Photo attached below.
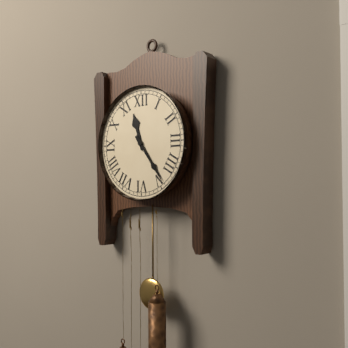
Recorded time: 11:24
